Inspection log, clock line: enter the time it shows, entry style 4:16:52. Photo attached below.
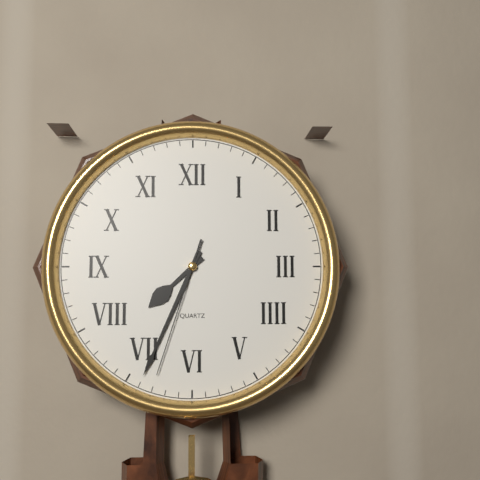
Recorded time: 7:34:33
